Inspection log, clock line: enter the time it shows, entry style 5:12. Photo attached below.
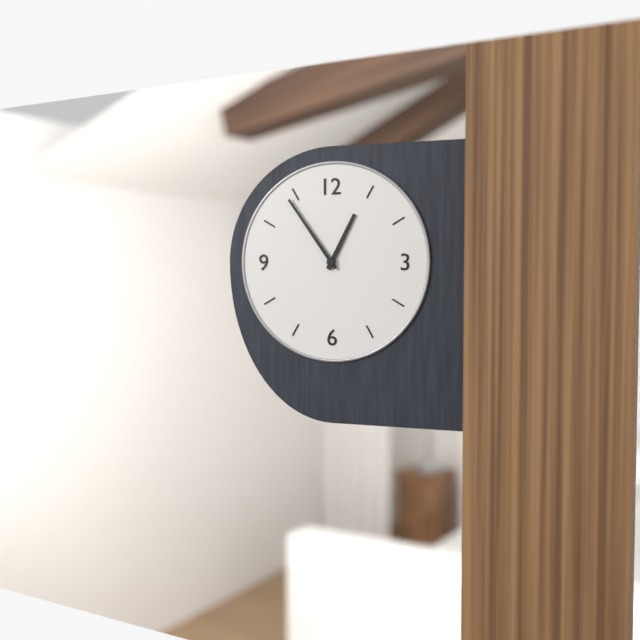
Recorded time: 12:54
